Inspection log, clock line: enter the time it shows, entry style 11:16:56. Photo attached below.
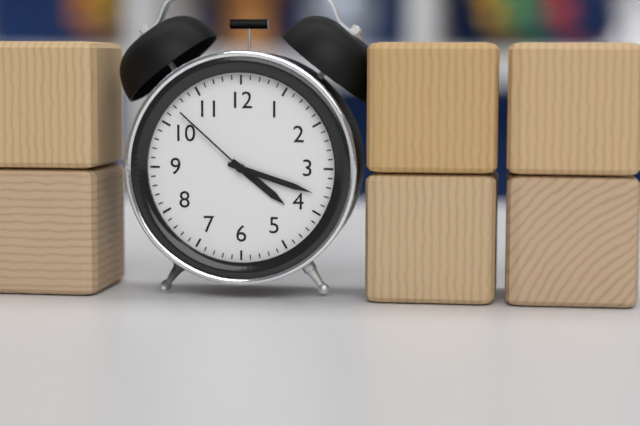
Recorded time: 4:18:52
